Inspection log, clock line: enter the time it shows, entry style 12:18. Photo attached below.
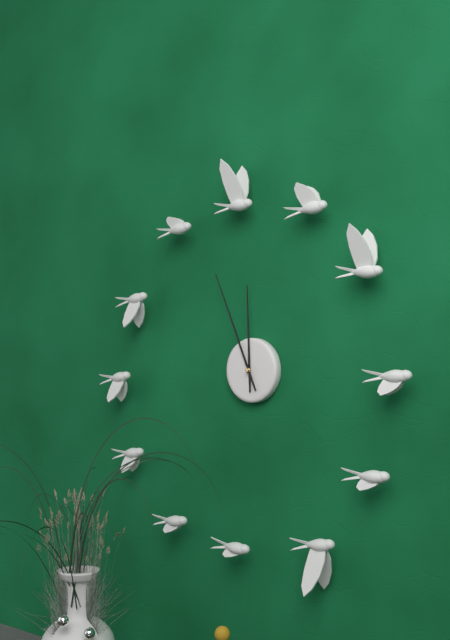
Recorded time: 11:56
